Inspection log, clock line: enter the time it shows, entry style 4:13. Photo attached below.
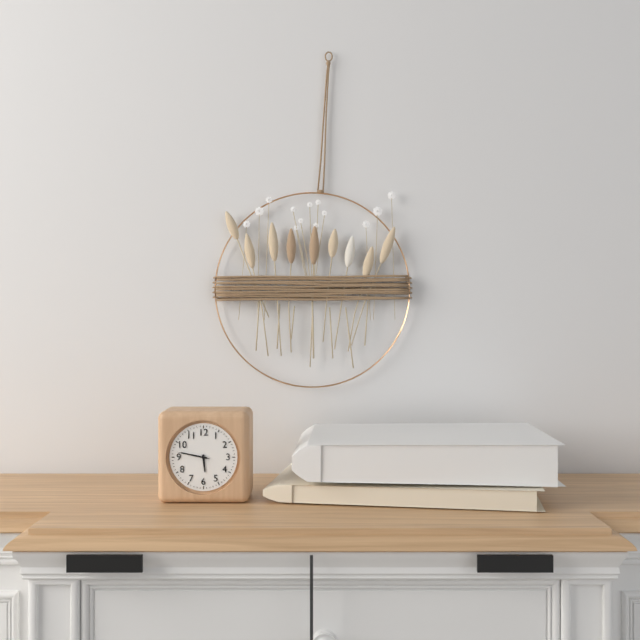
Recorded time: 5:47
